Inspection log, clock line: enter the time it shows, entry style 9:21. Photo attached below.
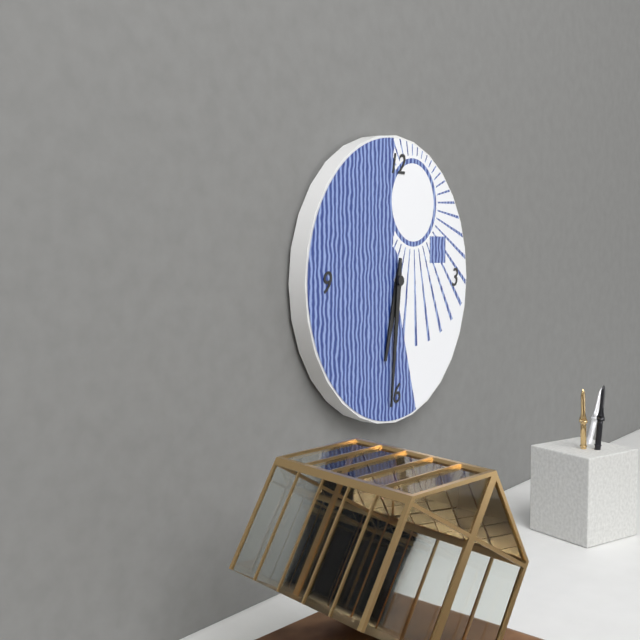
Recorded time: 6:31
